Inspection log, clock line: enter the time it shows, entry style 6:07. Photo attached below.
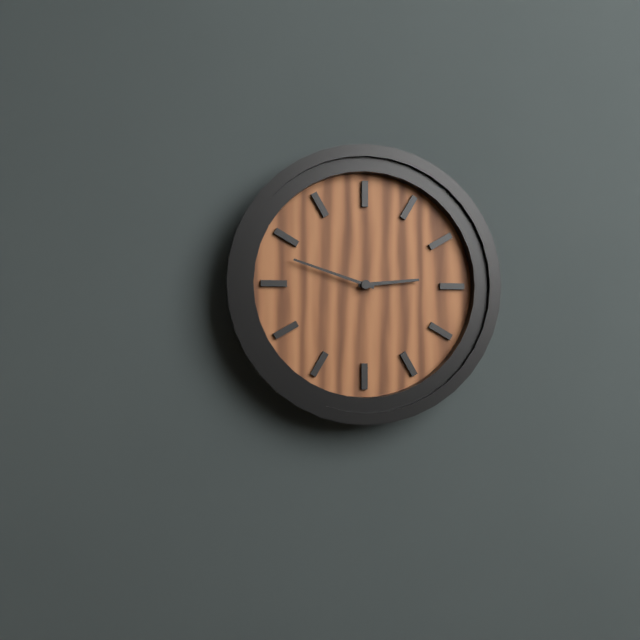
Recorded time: 2:48
